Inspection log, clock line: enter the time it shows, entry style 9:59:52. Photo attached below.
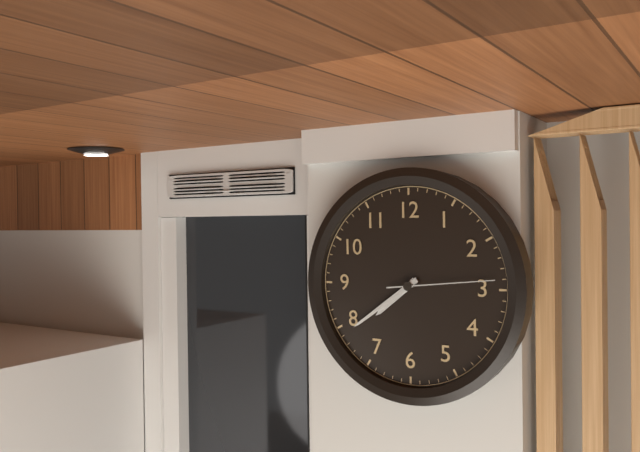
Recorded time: 7:39:14
